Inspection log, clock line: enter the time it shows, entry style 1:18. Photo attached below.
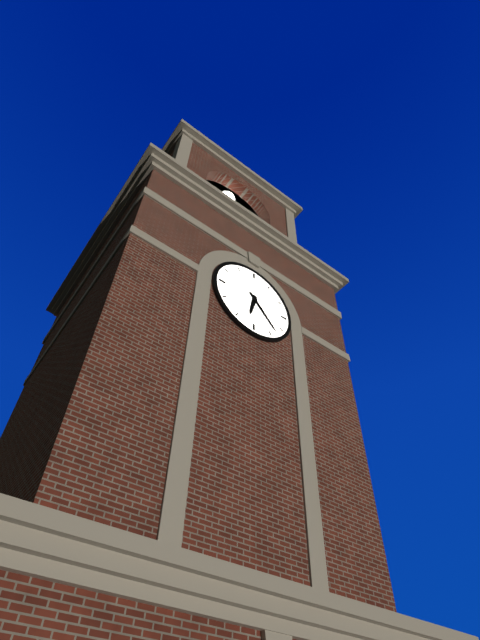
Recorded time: 6:23
